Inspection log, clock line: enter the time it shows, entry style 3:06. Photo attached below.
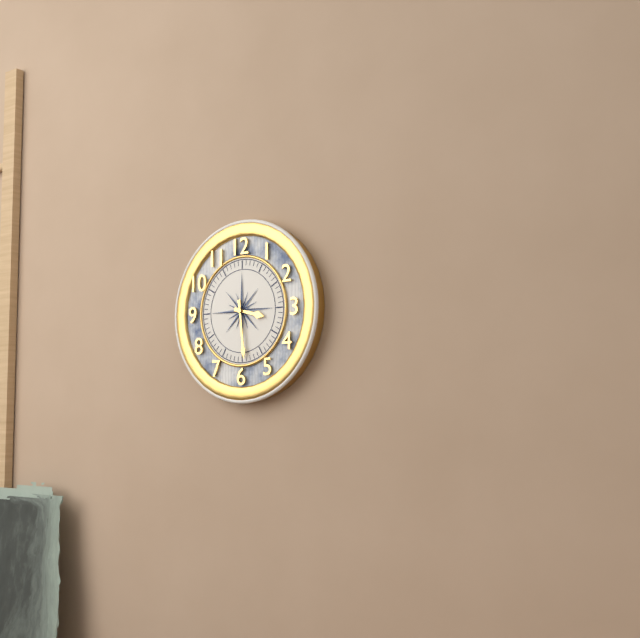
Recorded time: 3:29
